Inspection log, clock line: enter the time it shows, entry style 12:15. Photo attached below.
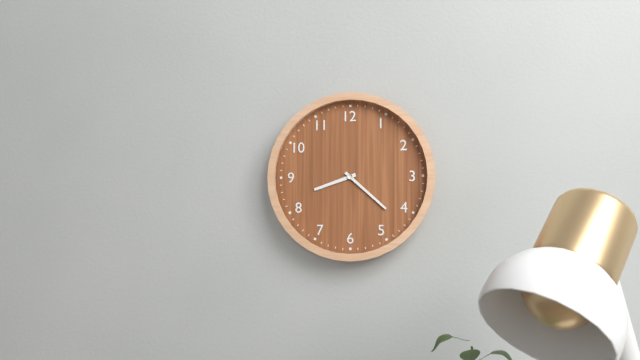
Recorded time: 8:22
